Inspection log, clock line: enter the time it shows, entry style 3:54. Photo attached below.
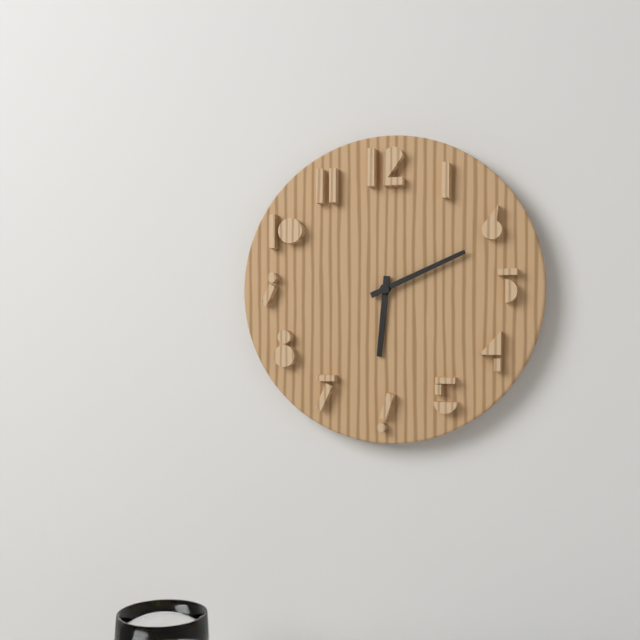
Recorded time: 6:11
